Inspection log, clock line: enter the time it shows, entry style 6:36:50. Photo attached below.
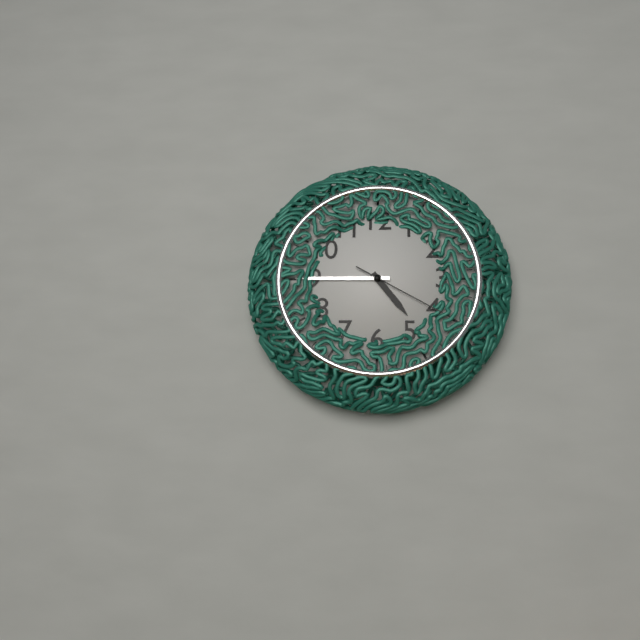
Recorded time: 4:45:20
